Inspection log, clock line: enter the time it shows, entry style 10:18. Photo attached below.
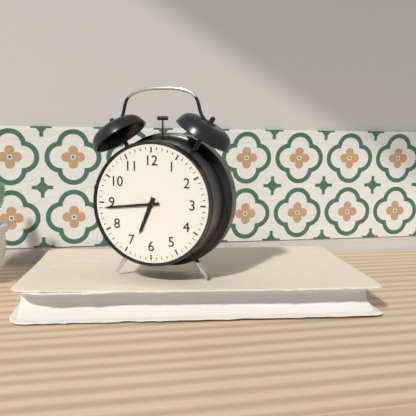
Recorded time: 6:44
